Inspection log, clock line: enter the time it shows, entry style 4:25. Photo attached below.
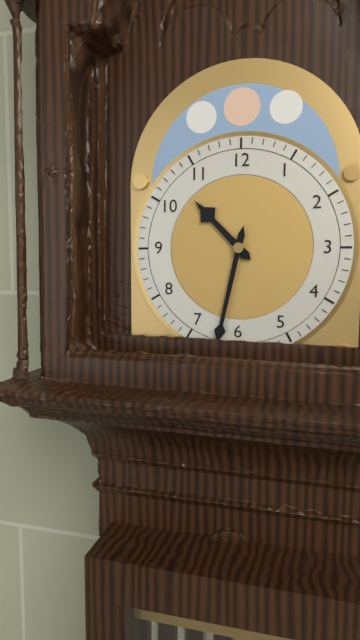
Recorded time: 10:32
